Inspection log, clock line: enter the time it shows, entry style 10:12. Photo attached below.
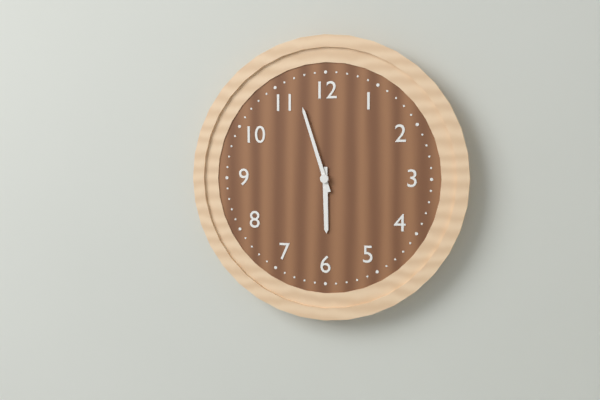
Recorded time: 5:57
